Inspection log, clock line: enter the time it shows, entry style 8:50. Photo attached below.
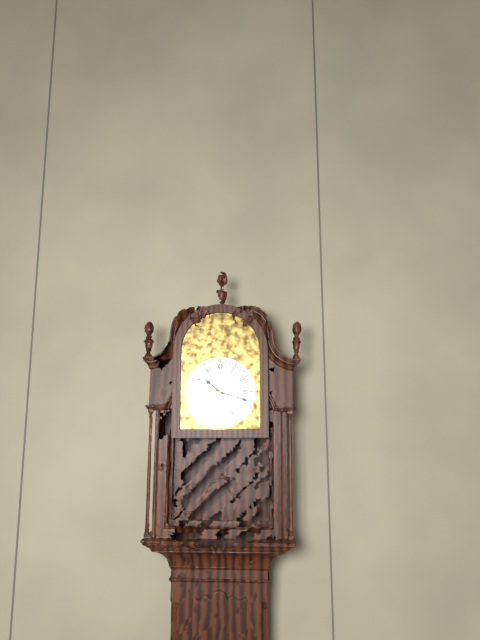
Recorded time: 10:18
